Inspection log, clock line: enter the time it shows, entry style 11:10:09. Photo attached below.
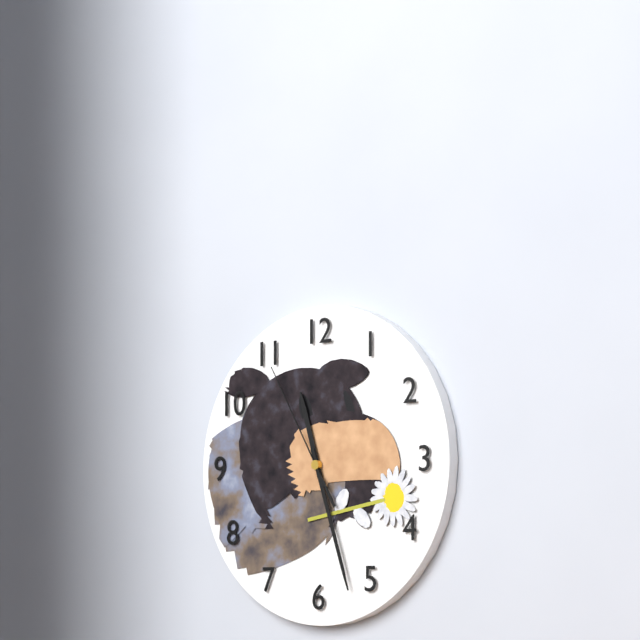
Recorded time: 11:27:55
